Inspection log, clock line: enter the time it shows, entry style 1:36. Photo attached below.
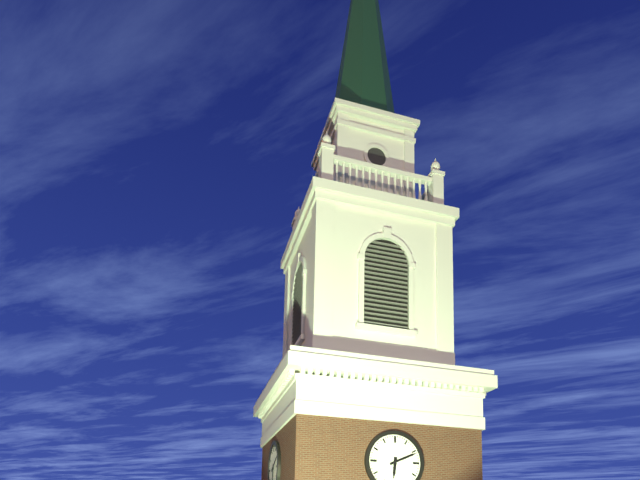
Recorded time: 6:11
